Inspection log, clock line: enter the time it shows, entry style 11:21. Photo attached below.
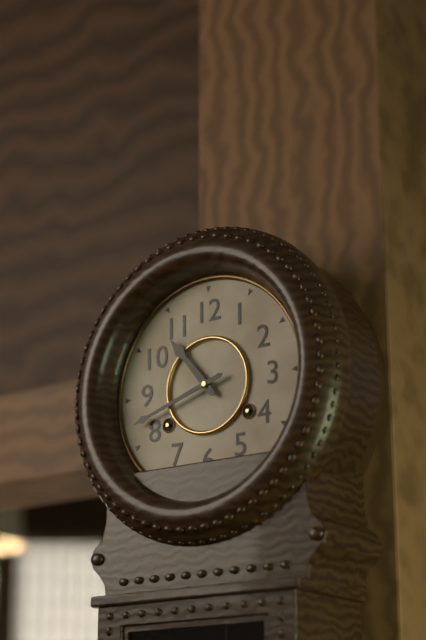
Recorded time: 10:42
